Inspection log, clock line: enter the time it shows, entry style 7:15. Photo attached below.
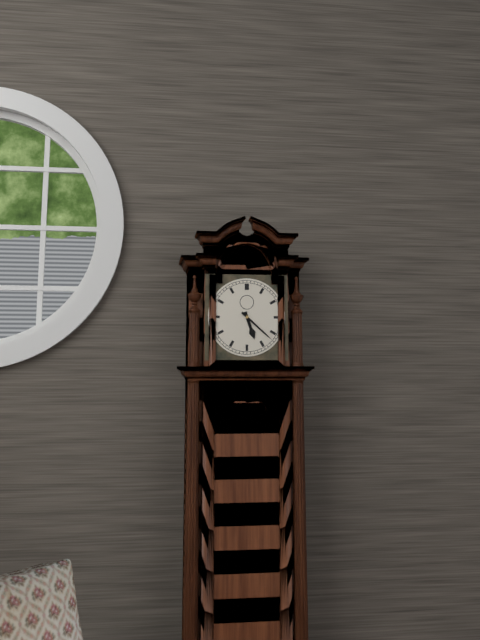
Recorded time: 5:22
